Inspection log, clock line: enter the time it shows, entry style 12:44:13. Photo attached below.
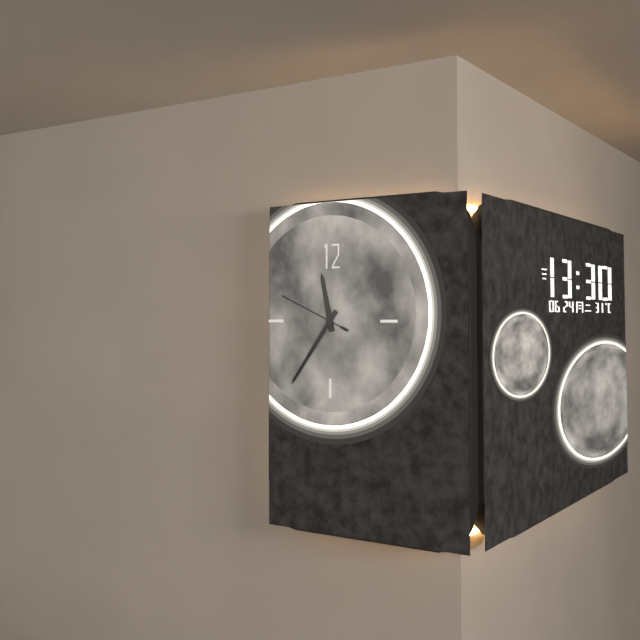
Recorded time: 11:36:49
